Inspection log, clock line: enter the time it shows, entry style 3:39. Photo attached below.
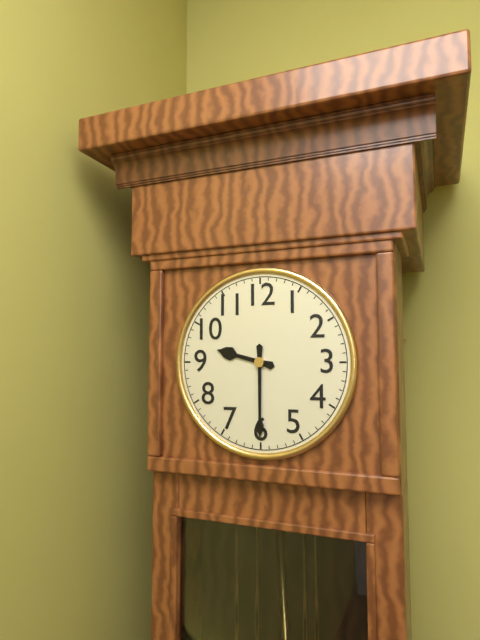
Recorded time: 9:30
